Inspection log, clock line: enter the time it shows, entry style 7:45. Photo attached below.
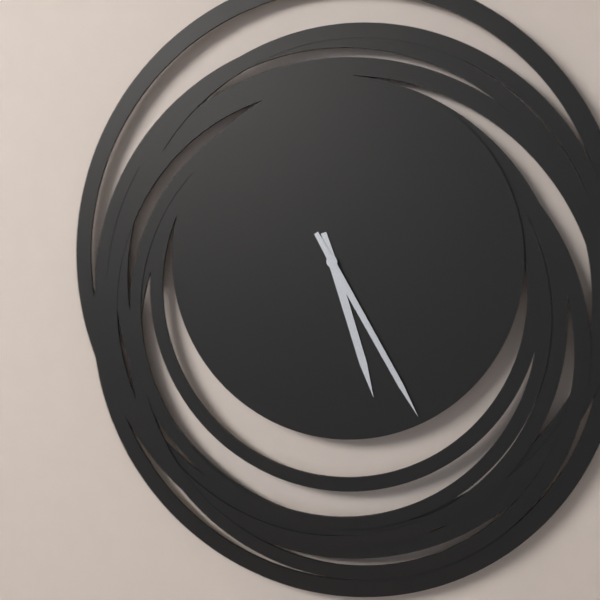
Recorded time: 5:25
